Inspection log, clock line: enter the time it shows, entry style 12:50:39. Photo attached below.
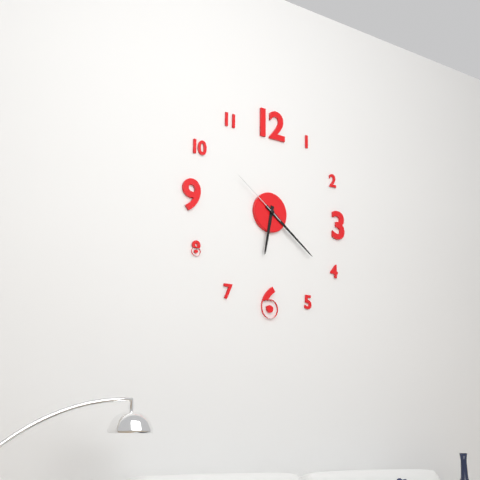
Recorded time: 6:21:51
